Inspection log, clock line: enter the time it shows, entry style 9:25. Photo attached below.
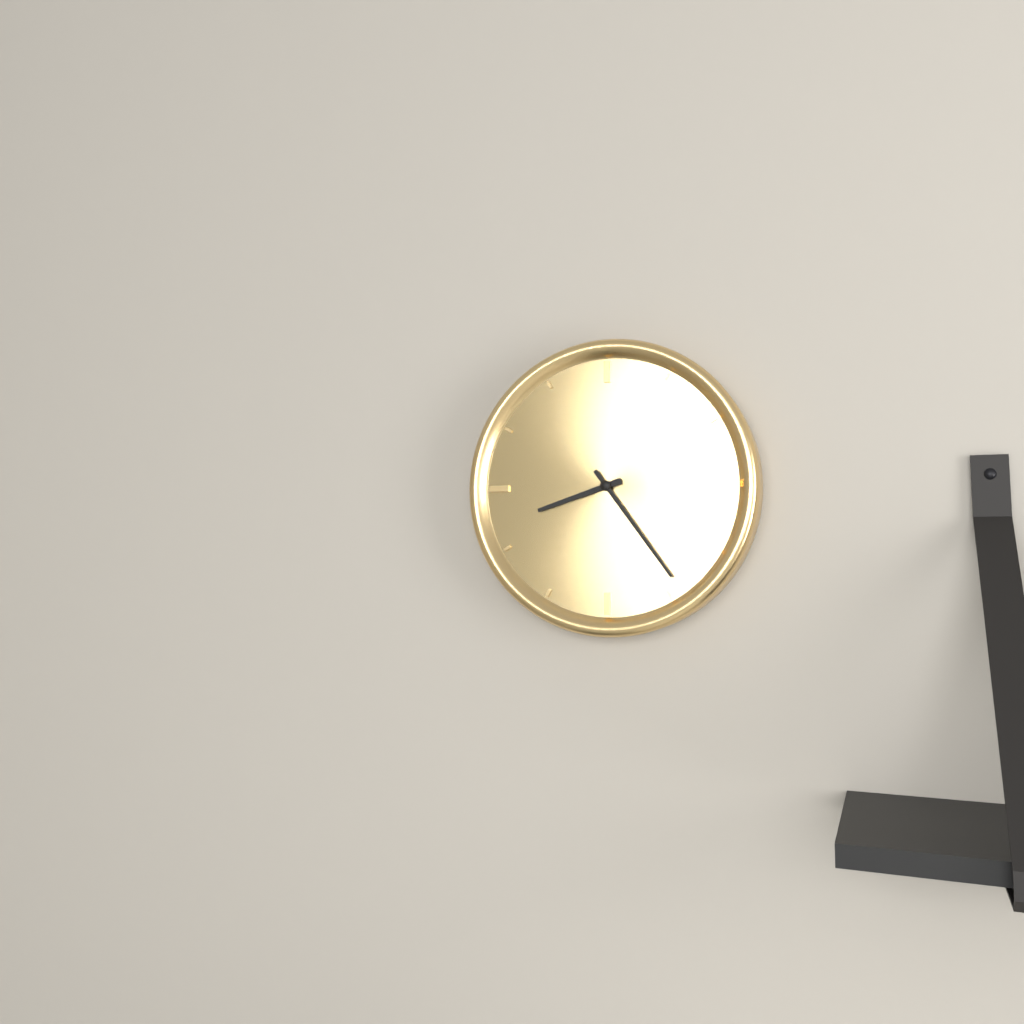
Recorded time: 8:24
